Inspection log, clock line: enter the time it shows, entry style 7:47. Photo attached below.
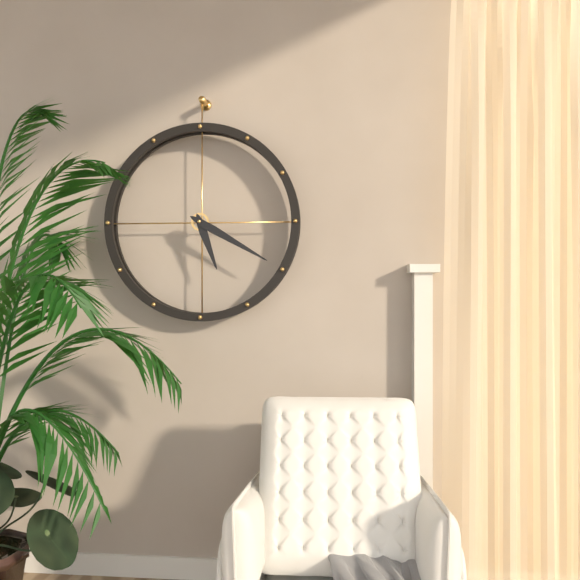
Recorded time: 5:20
